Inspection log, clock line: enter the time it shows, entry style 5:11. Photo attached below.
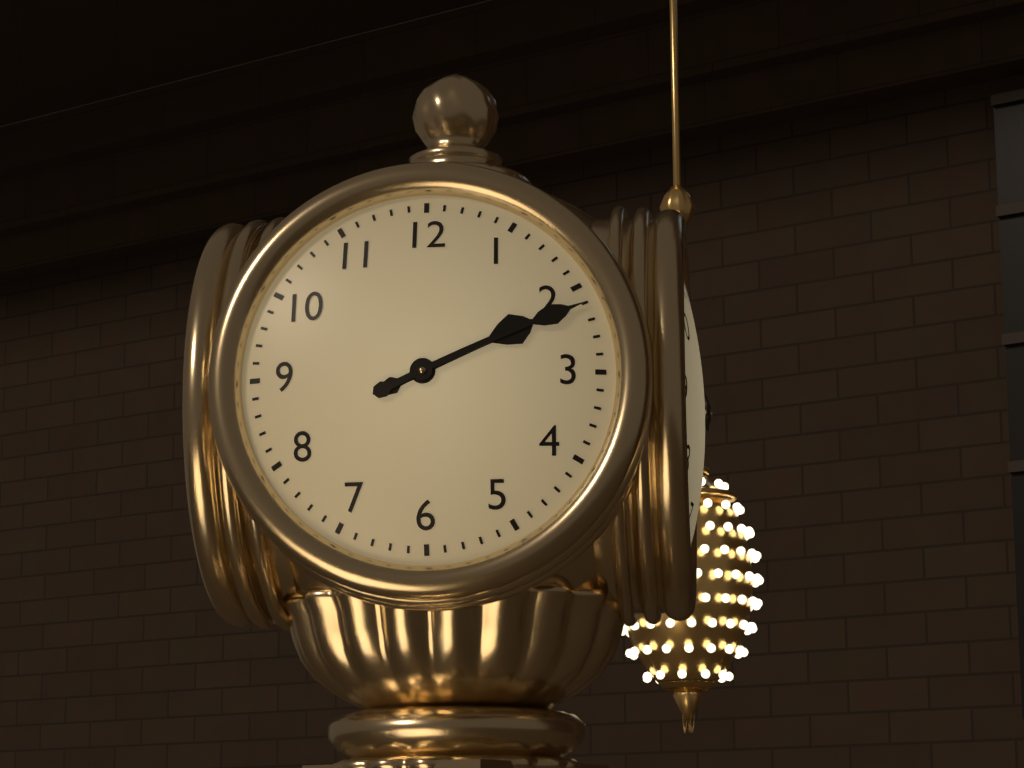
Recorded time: 2:11
